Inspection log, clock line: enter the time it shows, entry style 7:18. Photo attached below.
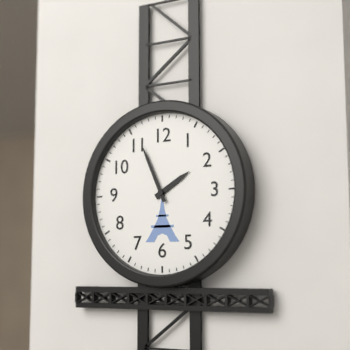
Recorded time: 1:56
